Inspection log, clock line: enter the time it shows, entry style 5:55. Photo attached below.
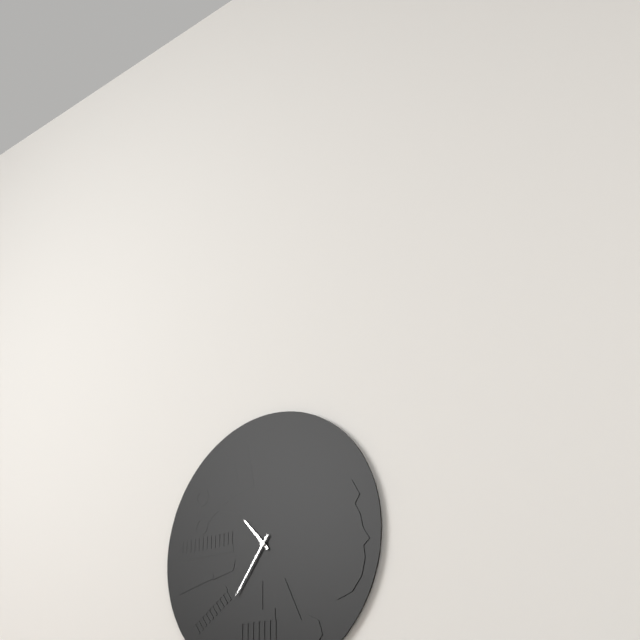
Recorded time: 10:36
